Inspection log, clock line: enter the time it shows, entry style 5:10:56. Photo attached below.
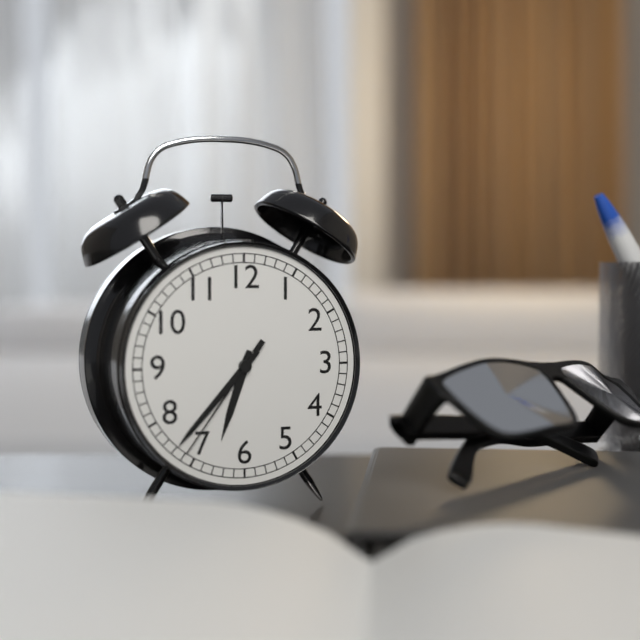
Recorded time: 6:37:36
